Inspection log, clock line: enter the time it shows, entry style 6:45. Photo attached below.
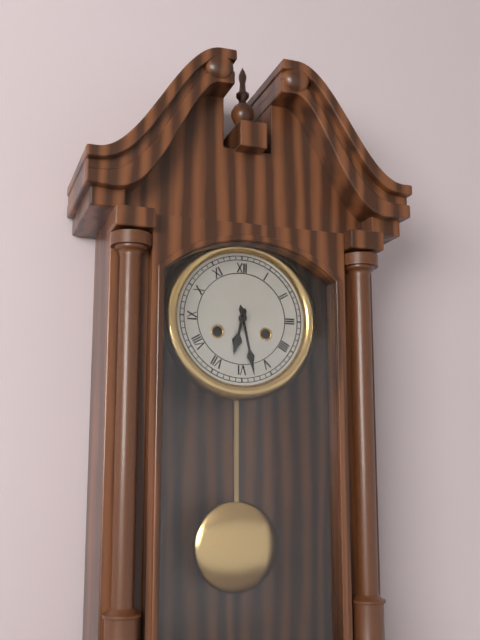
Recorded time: 6:28
